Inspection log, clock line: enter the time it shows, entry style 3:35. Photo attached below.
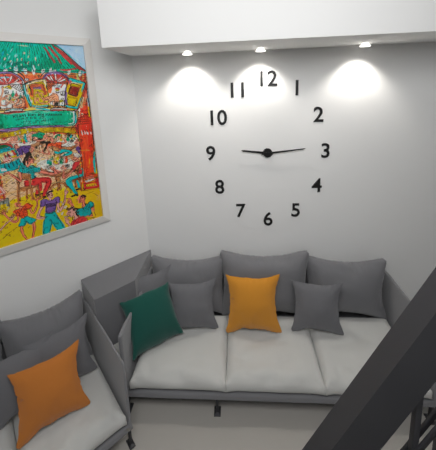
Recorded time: 9:14
